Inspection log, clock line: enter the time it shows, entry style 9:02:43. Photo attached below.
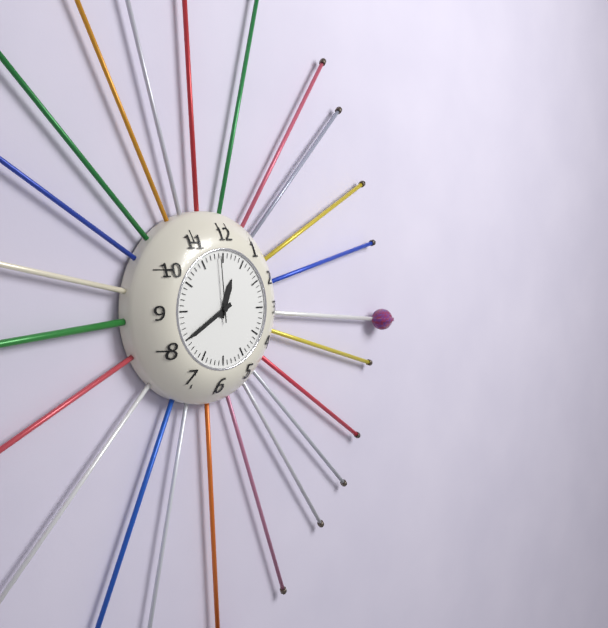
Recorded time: 12:40:59
